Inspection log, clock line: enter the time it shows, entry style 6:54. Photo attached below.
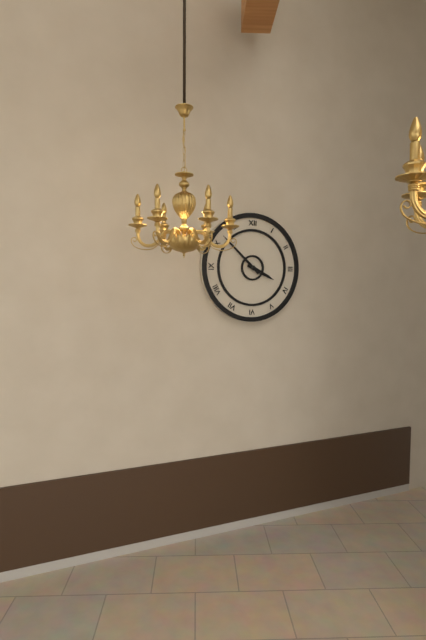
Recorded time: 3:52
